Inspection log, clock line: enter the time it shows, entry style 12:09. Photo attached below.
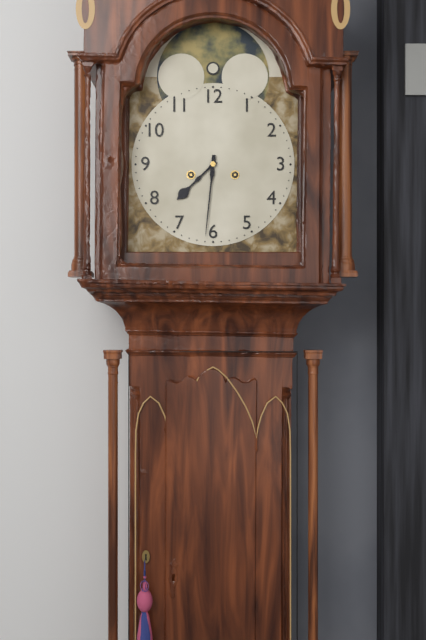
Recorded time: 7:31
